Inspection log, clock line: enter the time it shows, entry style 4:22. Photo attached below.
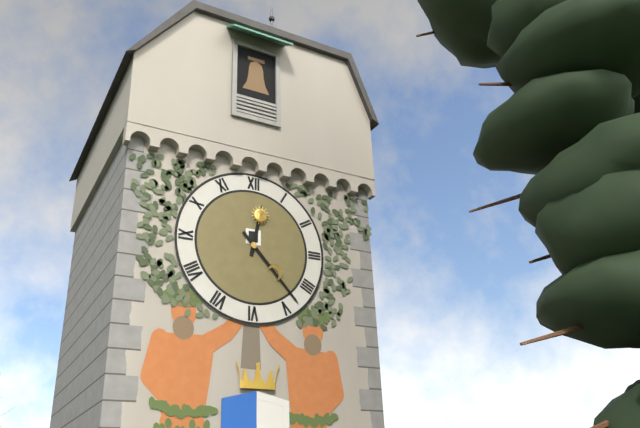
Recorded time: 12:23
